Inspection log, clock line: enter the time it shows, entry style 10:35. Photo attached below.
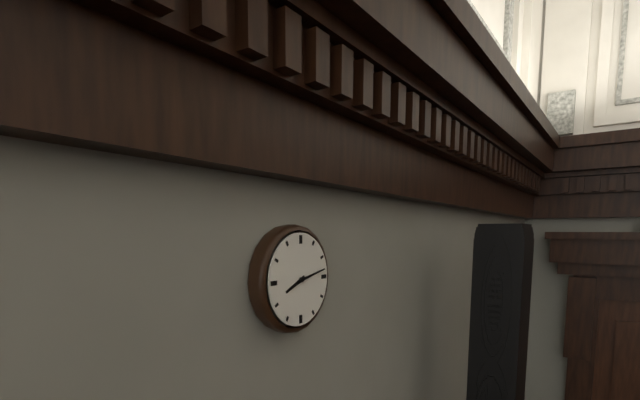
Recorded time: 8:13
